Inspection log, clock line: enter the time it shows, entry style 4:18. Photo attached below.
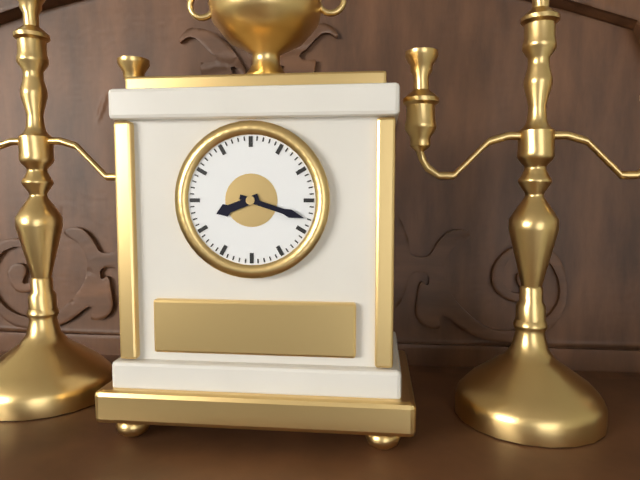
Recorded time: 8:18
